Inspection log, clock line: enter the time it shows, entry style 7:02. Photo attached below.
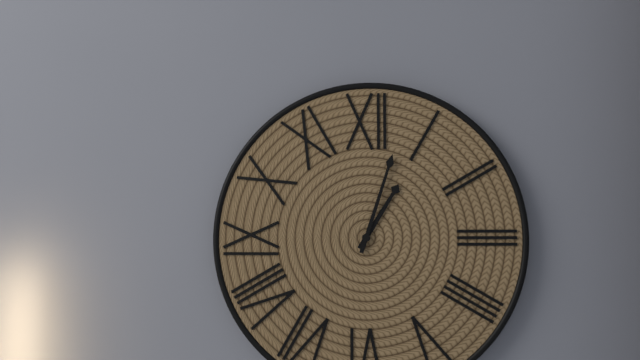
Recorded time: 1:03
